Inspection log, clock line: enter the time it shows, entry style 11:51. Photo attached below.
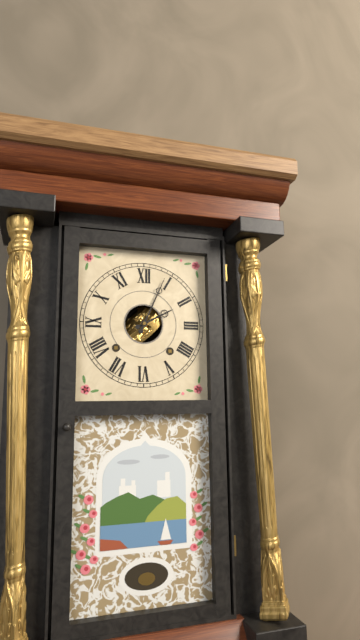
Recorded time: 2:04
